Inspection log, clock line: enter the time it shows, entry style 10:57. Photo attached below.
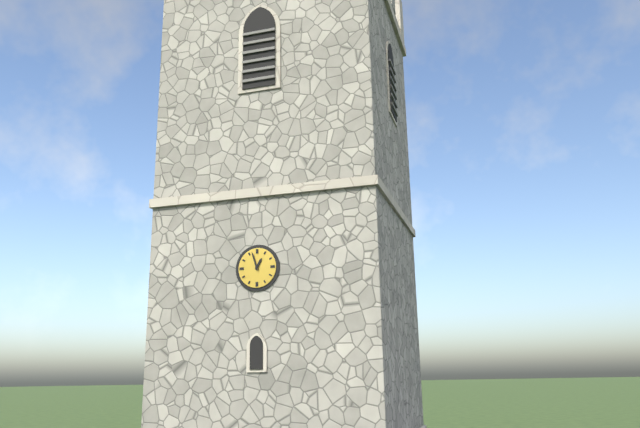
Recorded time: 12:57
